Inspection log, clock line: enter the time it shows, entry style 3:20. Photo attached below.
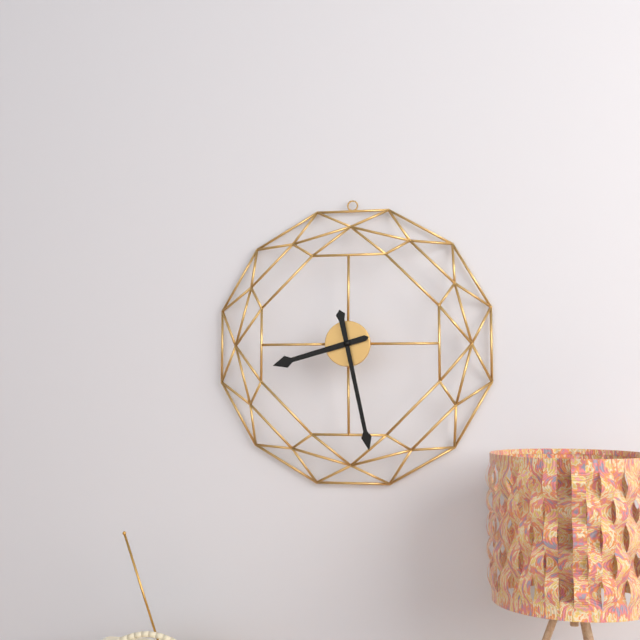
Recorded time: 8:28
